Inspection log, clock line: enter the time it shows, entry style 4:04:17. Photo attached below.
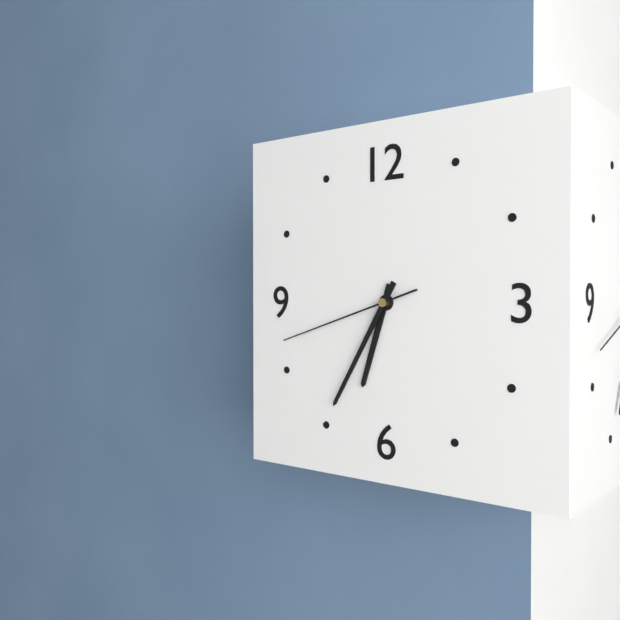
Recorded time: 6:35:42
